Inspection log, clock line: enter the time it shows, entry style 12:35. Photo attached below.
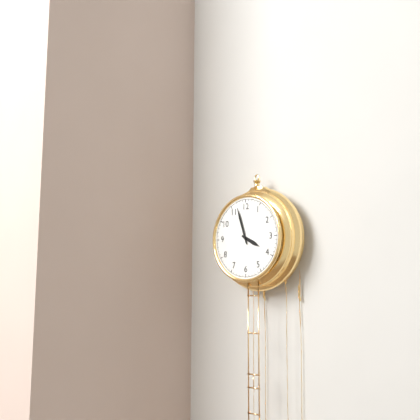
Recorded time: 3:57
